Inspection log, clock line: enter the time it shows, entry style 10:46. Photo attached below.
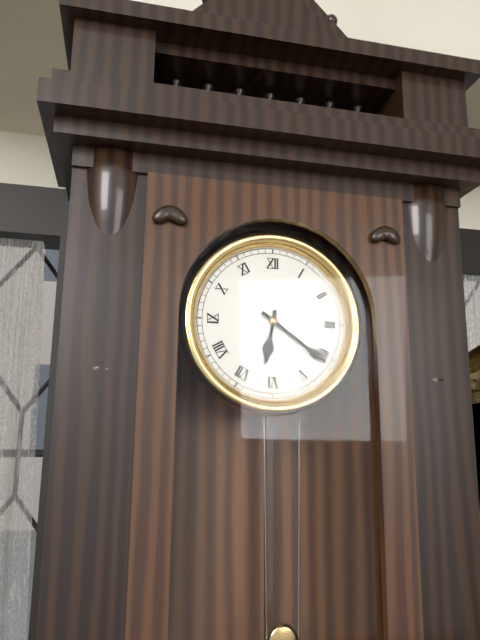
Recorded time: 6:21
